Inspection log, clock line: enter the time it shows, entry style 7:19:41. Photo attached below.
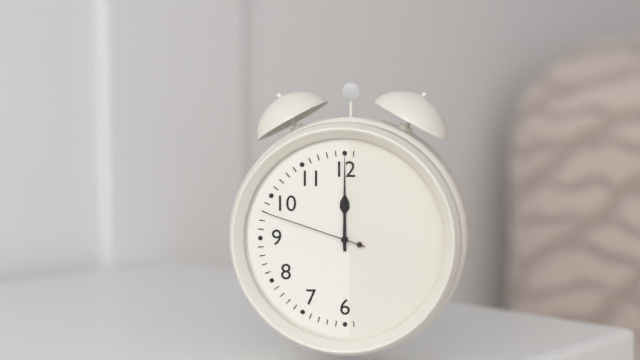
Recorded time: 12:00:48
